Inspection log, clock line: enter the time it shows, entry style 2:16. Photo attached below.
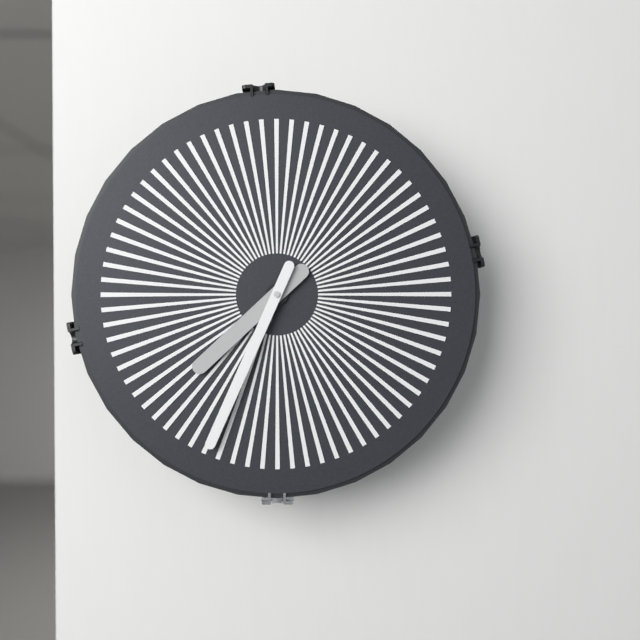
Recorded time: 7:34
